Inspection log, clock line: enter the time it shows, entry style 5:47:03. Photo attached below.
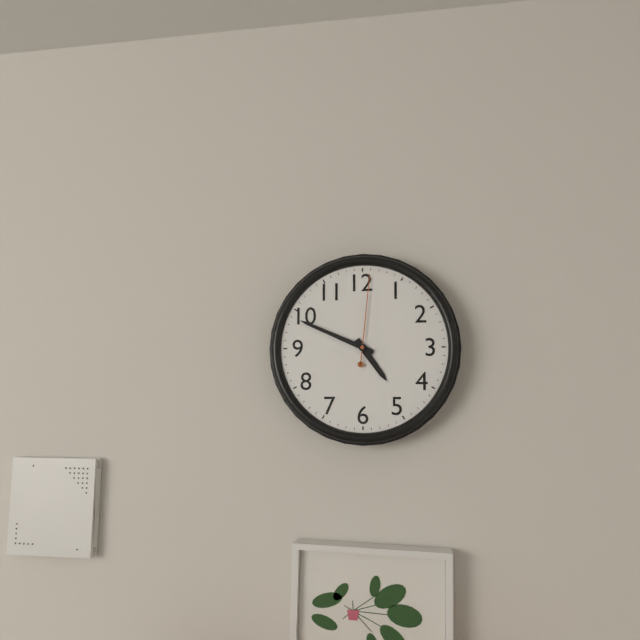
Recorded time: 4:49:01
